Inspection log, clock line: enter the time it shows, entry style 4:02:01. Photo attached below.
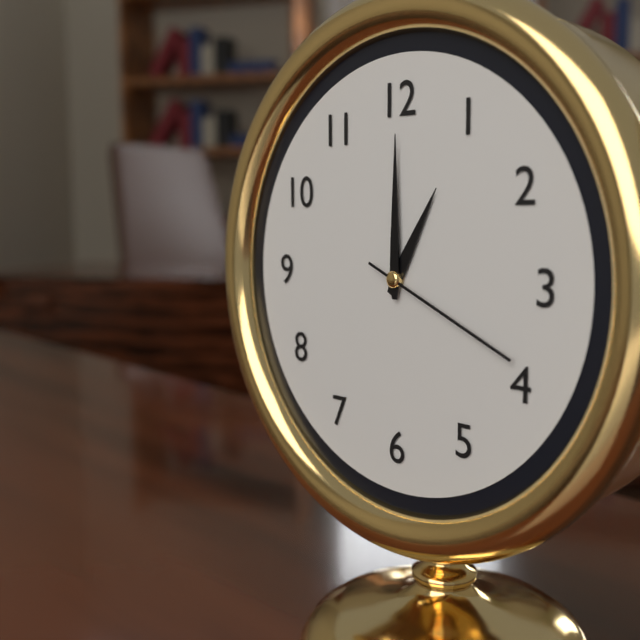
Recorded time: 1:00:19
